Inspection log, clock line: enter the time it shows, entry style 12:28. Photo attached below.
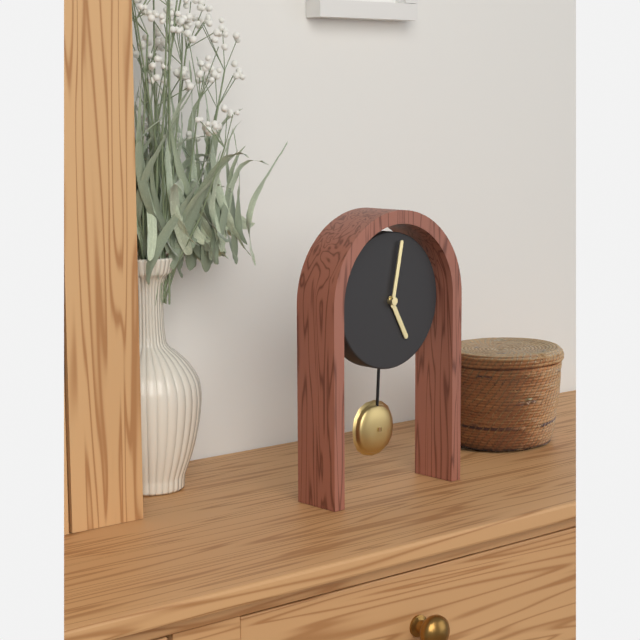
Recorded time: 5:02
